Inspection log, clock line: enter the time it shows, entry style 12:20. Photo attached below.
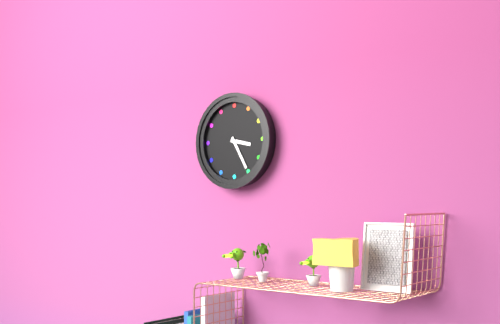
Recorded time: 3:25
